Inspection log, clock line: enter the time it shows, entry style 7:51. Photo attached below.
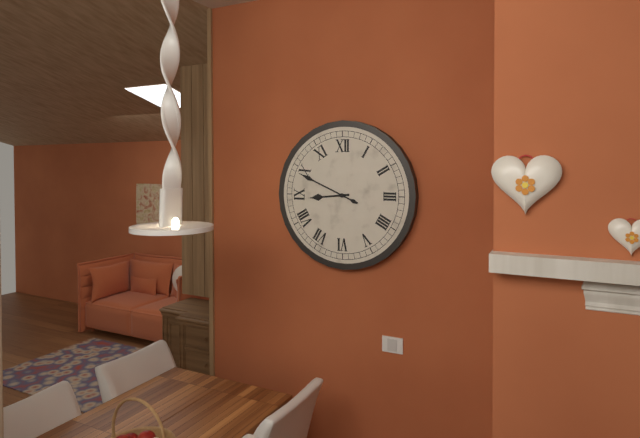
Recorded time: 8:49
